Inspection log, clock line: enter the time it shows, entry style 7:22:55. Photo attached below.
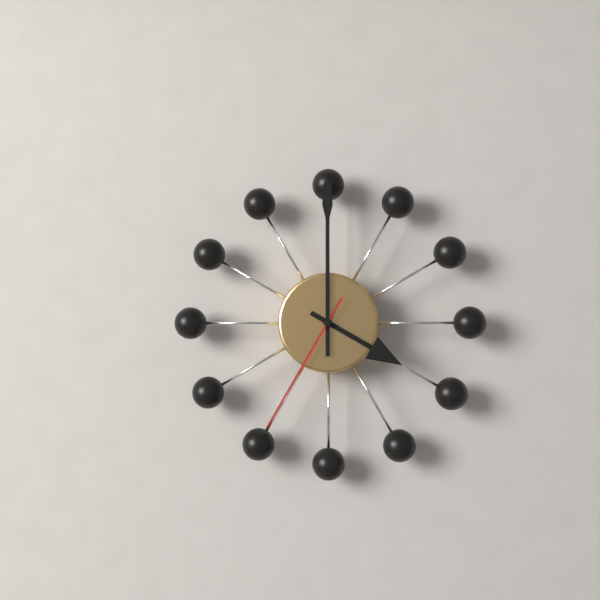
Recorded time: 4:00:35
